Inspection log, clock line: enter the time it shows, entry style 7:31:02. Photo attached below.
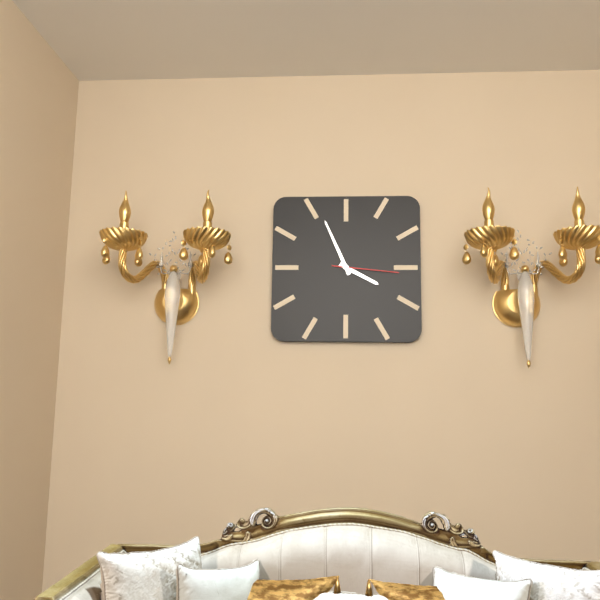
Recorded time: 3:56:16
